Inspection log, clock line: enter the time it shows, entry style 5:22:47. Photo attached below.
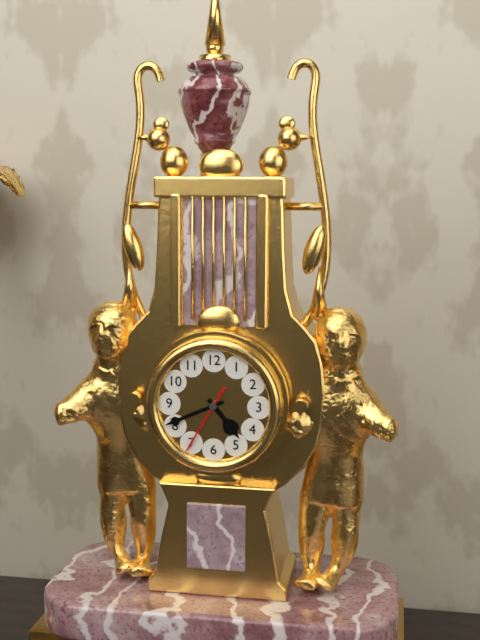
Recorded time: 4:41:35
